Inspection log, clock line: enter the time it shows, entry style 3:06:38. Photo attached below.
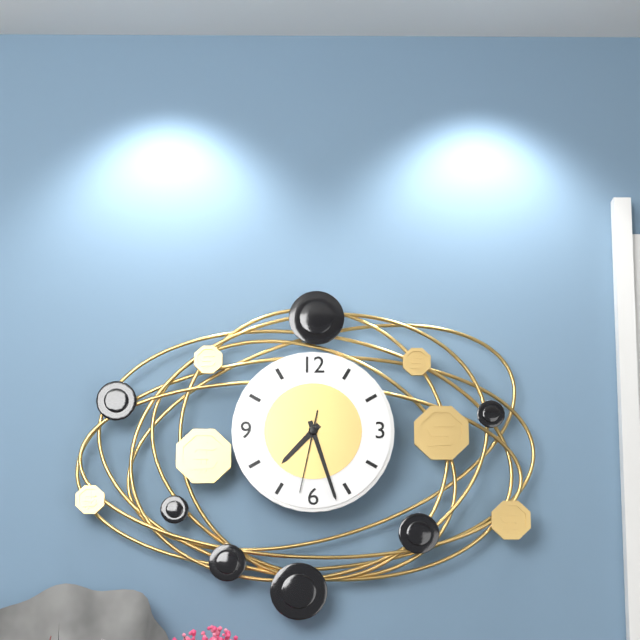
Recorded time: 7:27:32
